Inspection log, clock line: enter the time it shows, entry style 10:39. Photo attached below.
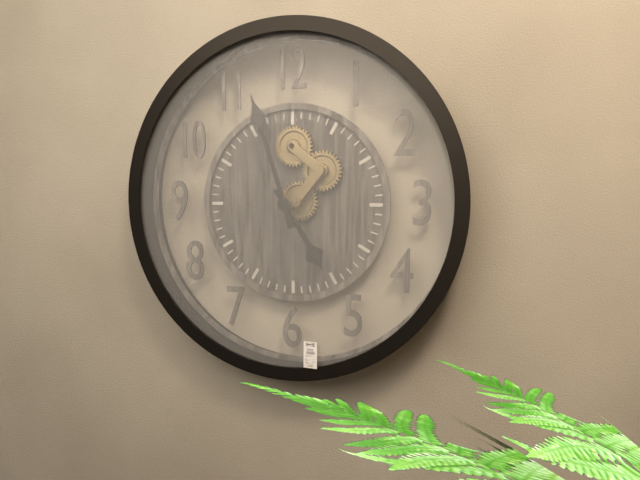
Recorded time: 4:57
